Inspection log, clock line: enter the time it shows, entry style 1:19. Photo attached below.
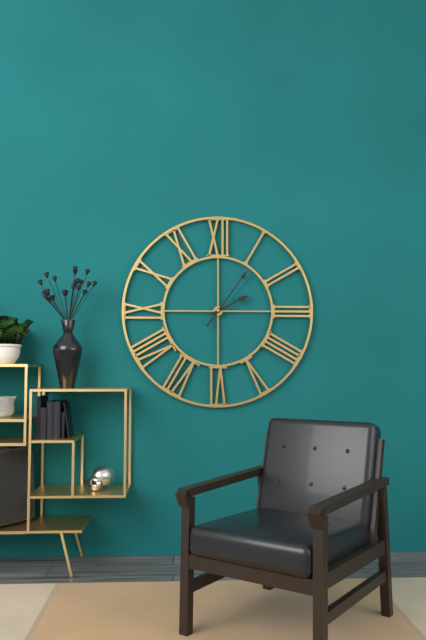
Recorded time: 2:06
